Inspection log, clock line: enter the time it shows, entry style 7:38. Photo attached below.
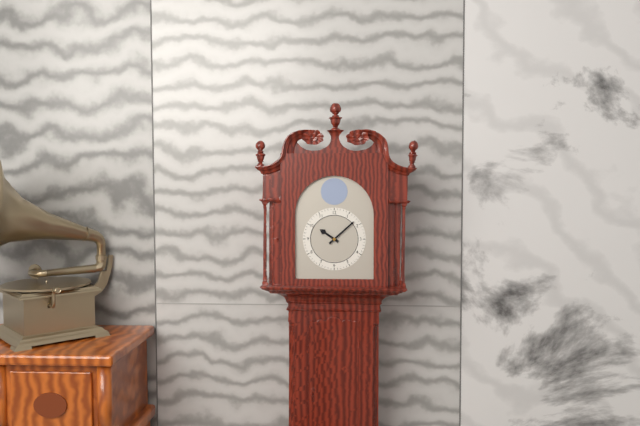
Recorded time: 10:08
